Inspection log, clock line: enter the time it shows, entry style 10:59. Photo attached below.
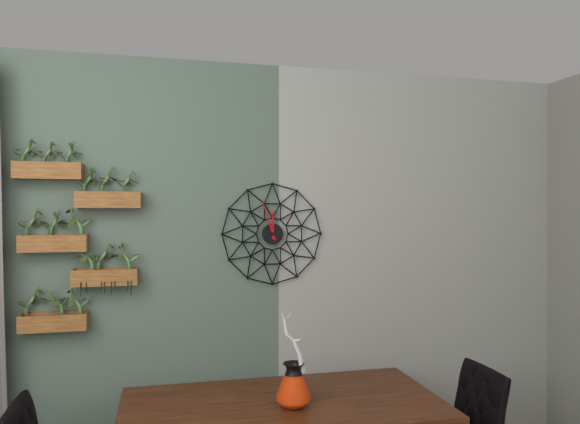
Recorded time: 11:57
